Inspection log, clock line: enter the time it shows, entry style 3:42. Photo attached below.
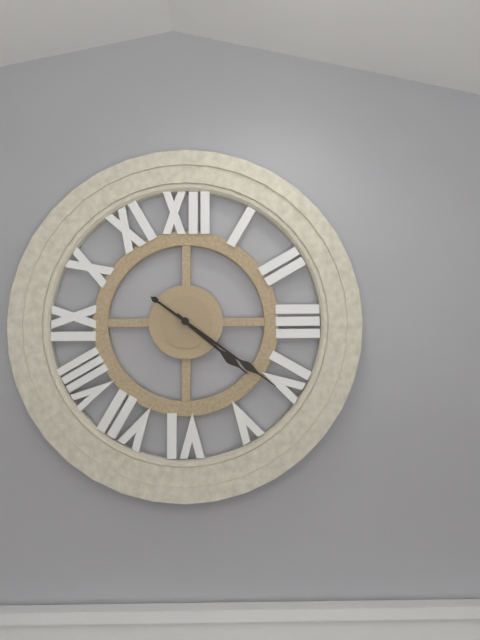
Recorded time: 4:21
